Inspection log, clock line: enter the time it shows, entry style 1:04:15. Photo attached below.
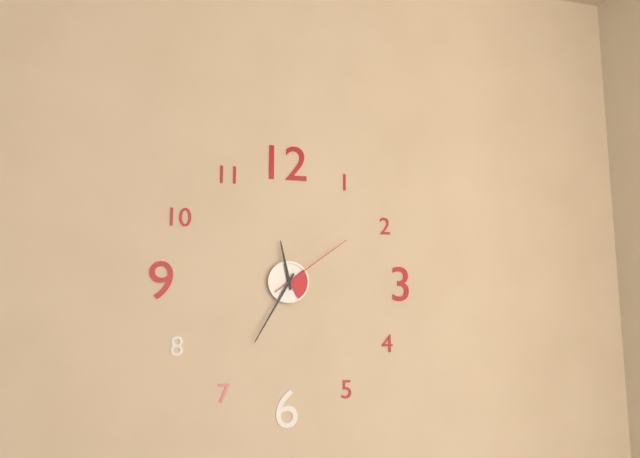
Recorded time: 11:35:09
